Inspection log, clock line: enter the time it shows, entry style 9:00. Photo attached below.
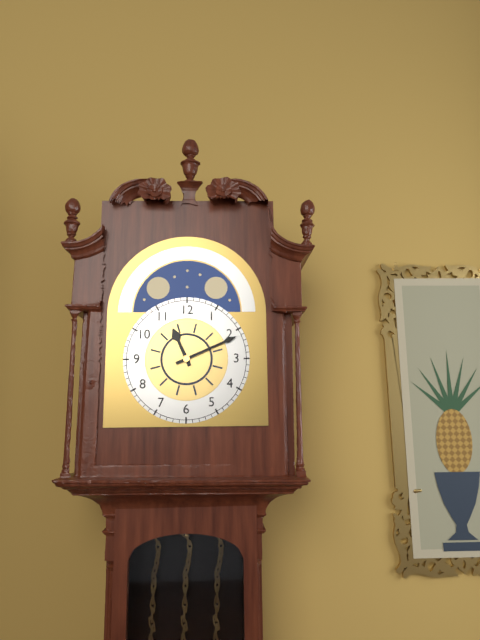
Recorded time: 11:11
